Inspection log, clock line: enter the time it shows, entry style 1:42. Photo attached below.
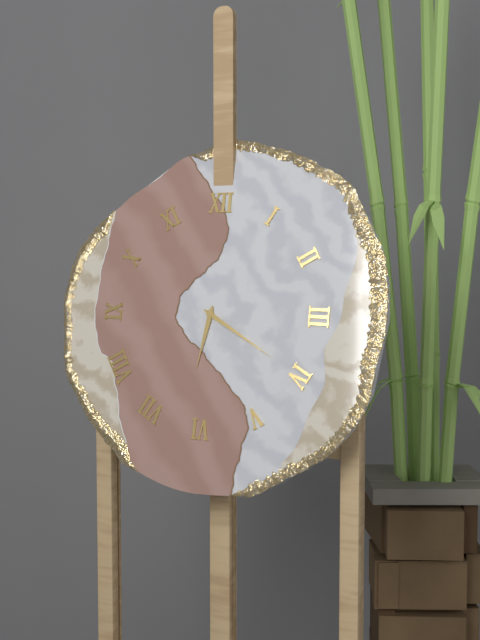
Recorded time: 6:20
